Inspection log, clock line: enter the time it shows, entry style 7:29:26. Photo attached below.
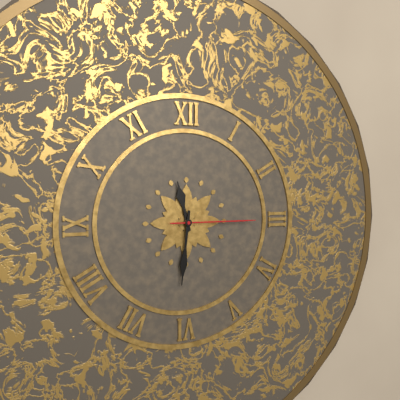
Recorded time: 11:31:15
